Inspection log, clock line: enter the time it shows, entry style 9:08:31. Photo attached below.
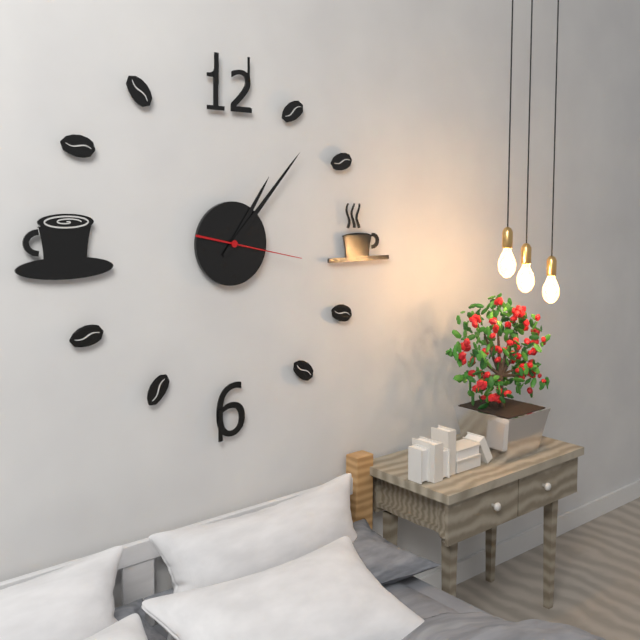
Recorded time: 1:07:17
